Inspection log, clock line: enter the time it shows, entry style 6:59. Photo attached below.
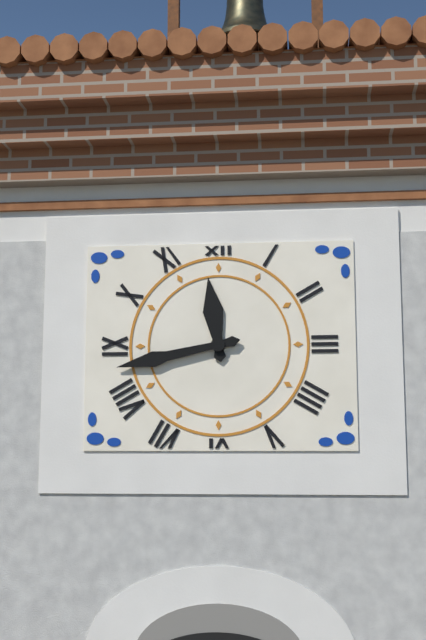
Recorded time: 11:43
